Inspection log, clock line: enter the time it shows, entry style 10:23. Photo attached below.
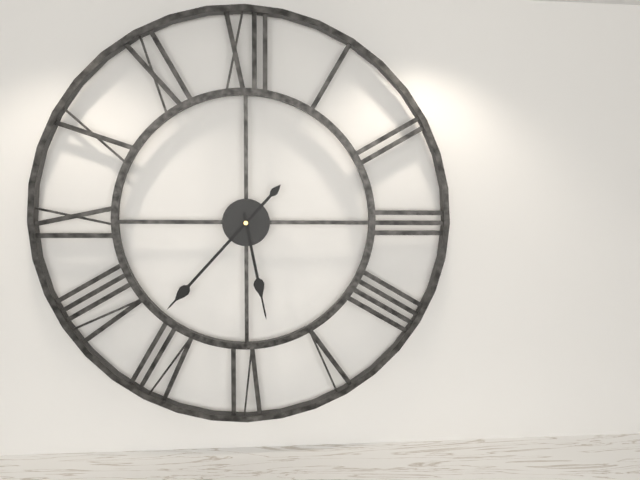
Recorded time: 5:37
